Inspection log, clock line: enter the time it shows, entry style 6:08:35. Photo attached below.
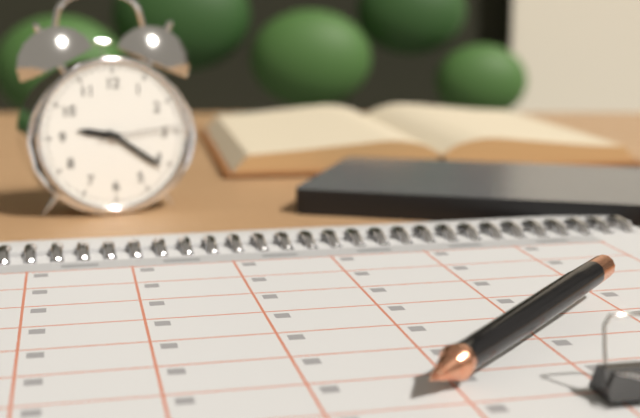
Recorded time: 9:21:14
